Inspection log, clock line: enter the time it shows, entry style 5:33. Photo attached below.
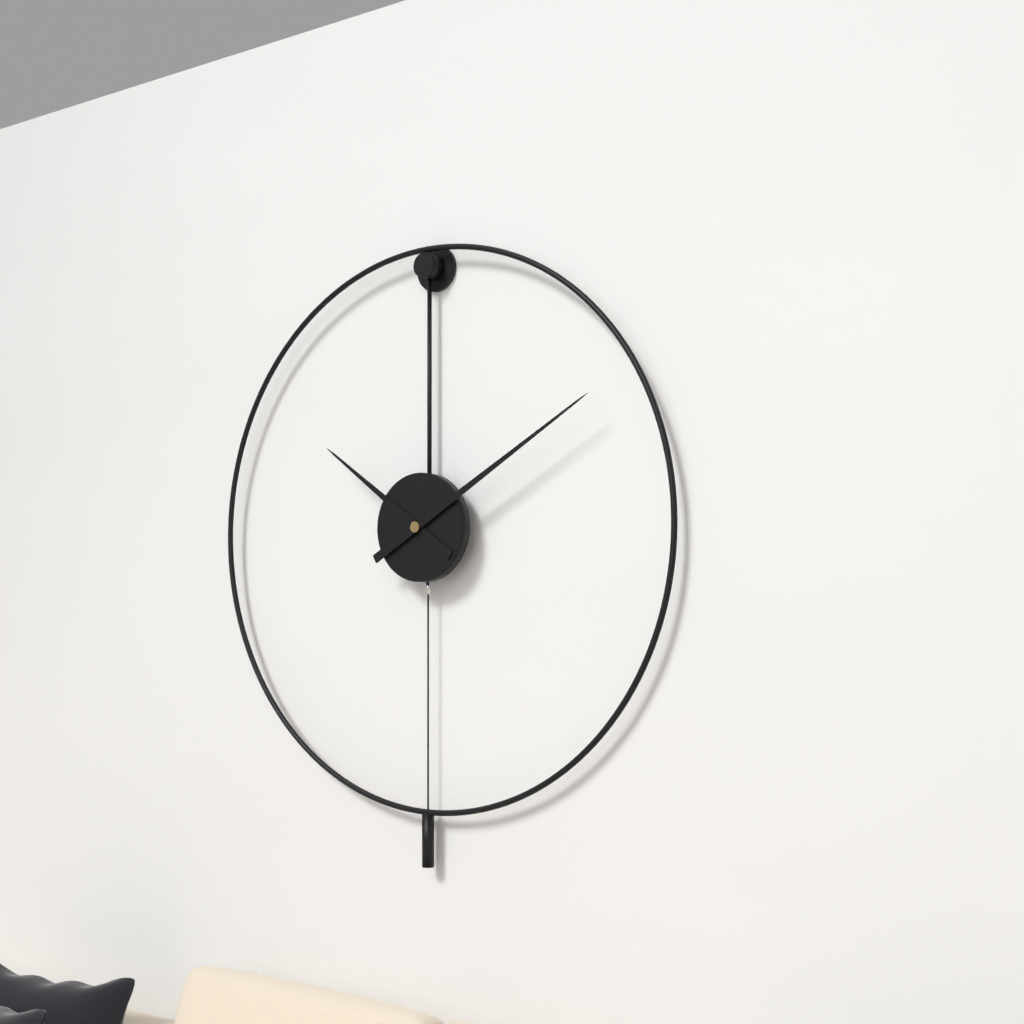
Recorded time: 10:10
